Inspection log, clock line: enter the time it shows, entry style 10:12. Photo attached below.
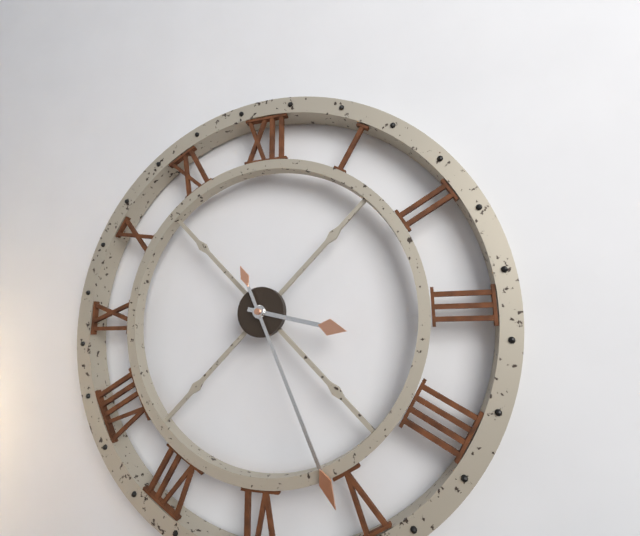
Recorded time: 3:26
